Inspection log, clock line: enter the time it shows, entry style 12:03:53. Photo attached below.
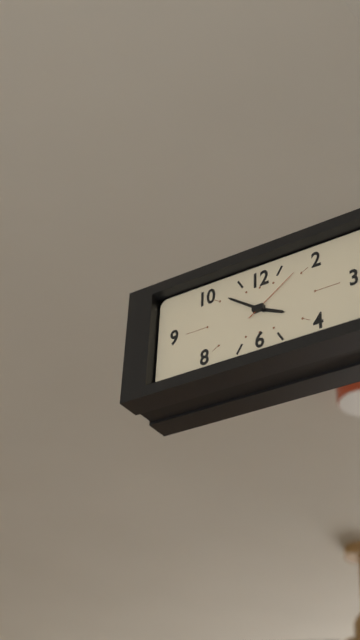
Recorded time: 3:51:09
